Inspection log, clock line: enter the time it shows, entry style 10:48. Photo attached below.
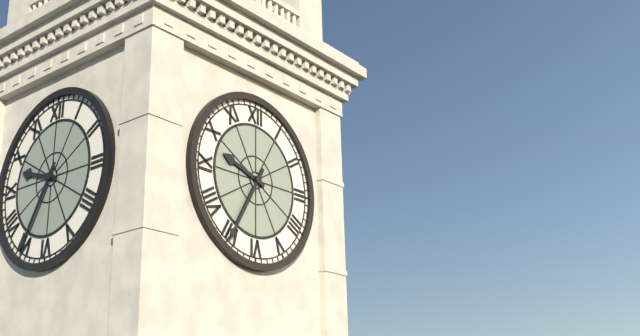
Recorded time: 9:35
